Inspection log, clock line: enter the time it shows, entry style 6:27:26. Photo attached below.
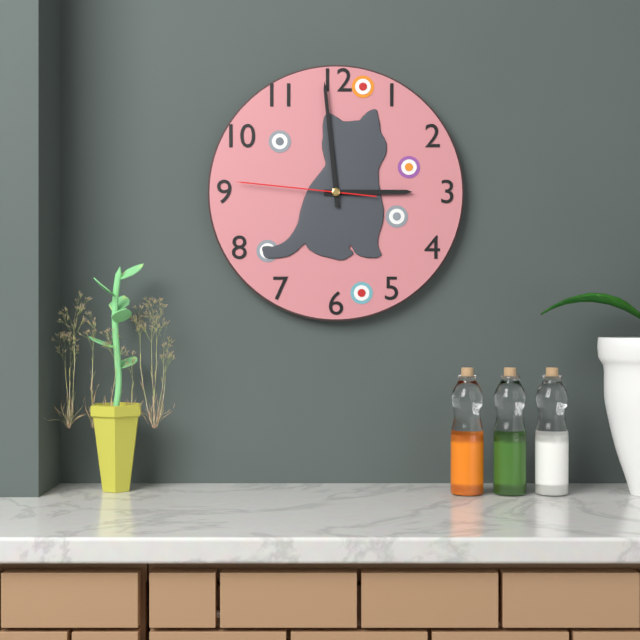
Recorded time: 2:59:46
